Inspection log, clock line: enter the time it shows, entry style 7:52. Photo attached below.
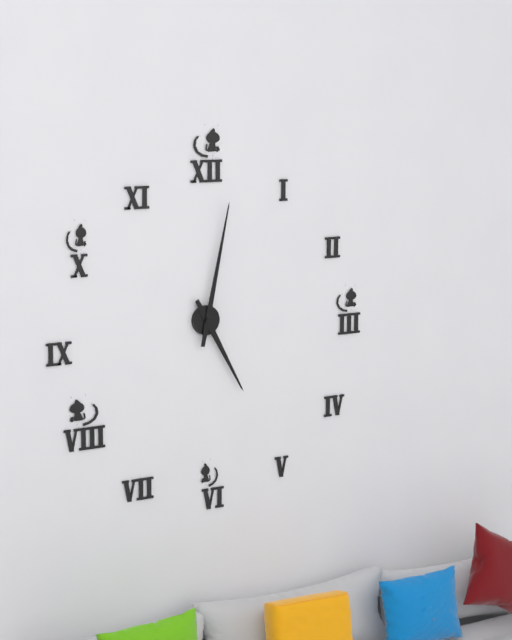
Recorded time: 5:02
